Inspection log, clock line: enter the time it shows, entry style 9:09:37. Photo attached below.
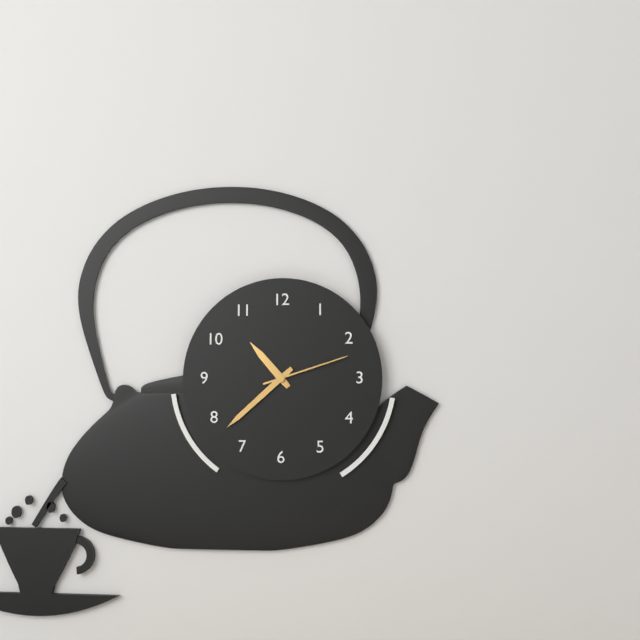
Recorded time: 10:38:12
